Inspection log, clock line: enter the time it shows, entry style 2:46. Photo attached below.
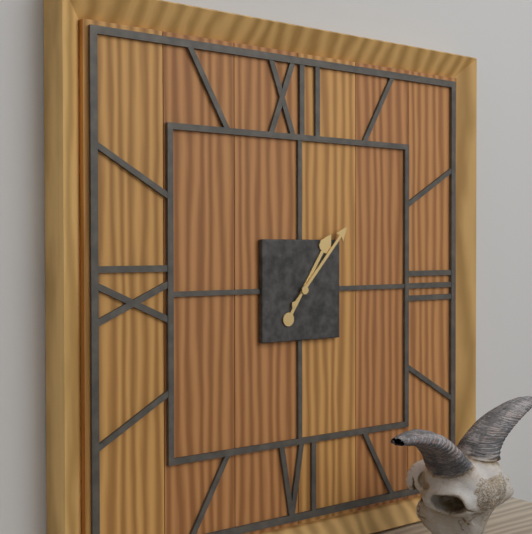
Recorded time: 1:07
